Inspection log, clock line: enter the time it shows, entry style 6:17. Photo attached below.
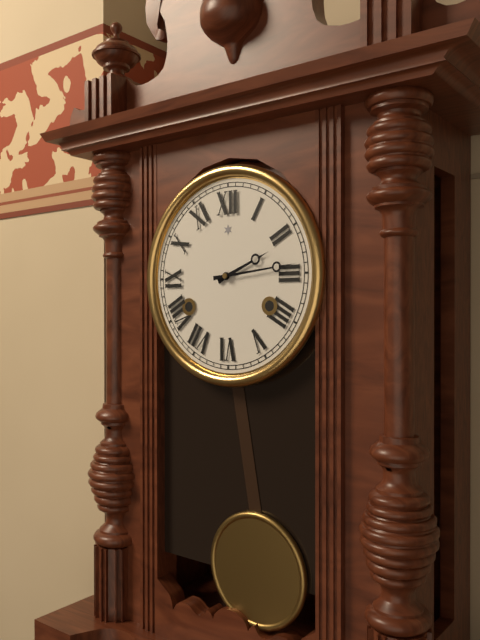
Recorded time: 2:14
